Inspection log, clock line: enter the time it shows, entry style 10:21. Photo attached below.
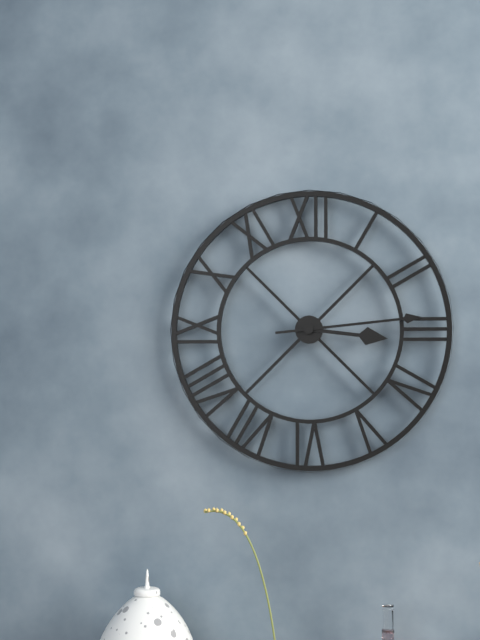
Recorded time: 3:14
